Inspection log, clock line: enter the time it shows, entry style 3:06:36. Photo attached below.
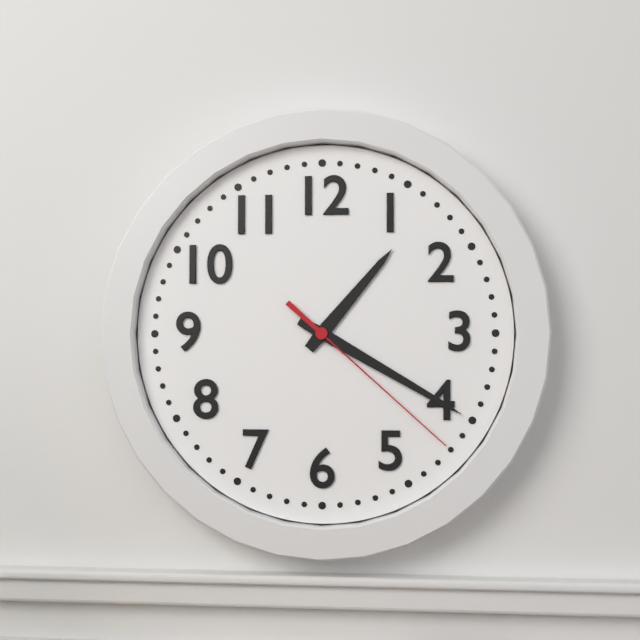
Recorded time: 1:20:22
